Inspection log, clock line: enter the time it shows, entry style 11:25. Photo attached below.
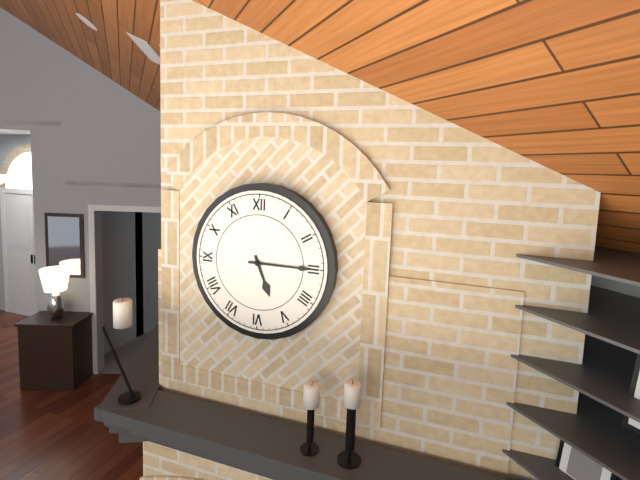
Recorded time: 5:15
